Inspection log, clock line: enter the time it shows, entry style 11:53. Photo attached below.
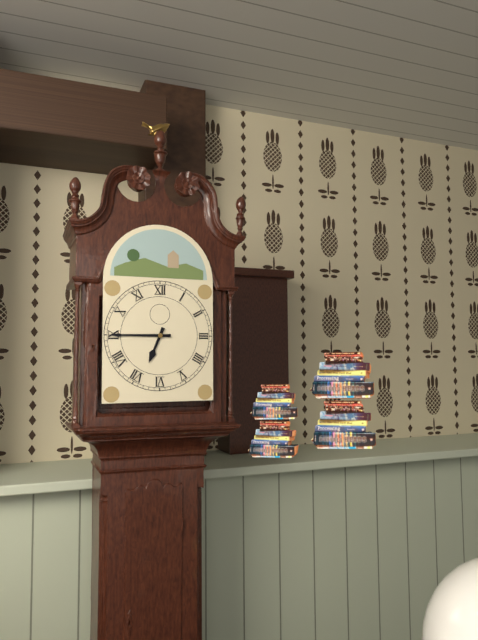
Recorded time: 6:45
